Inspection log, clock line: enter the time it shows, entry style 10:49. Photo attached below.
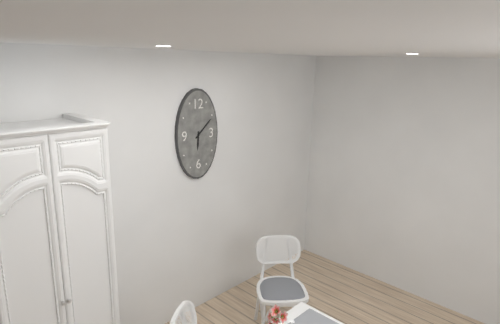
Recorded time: 6:08
